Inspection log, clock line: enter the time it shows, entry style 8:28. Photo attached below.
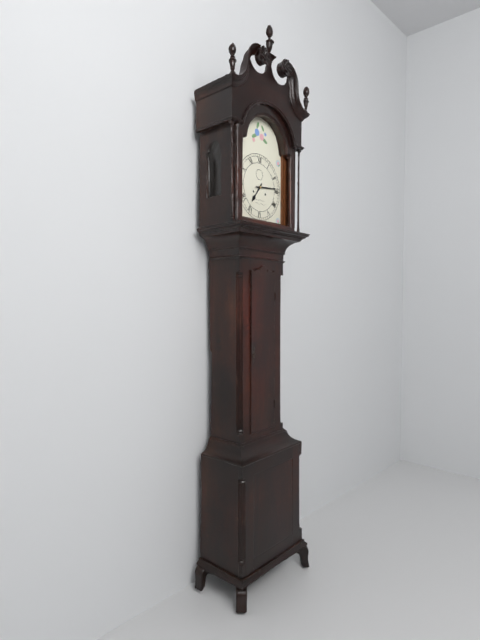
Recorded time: 7:14
